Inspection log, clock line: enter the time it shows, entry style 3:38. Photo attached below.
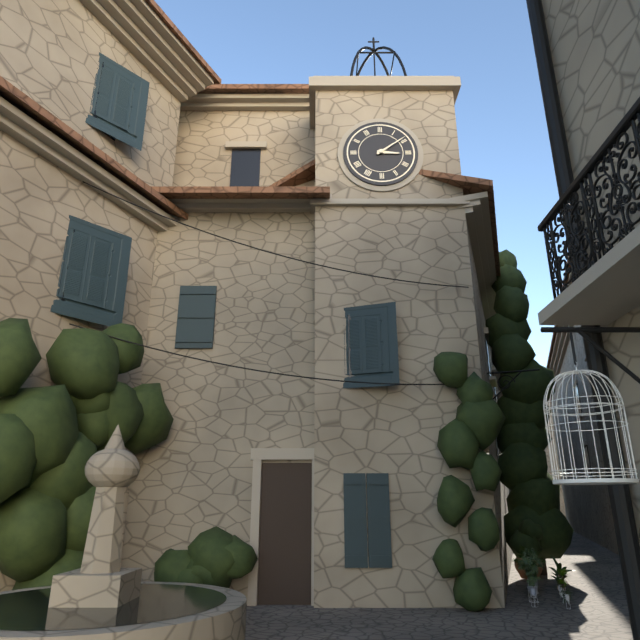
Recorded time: 3:09
